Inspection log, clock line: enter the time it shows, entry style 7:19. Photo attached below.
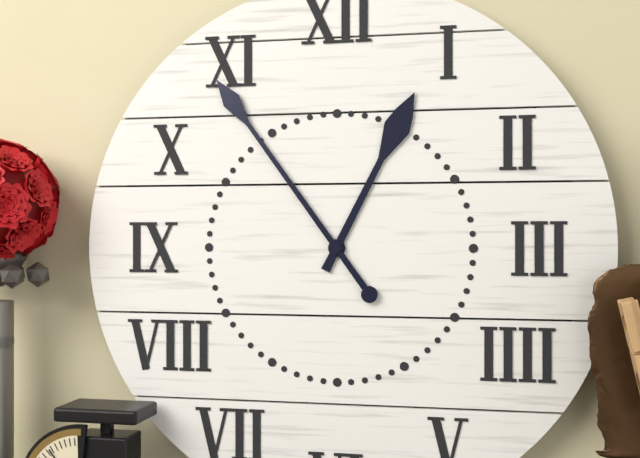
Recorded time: 12:54
